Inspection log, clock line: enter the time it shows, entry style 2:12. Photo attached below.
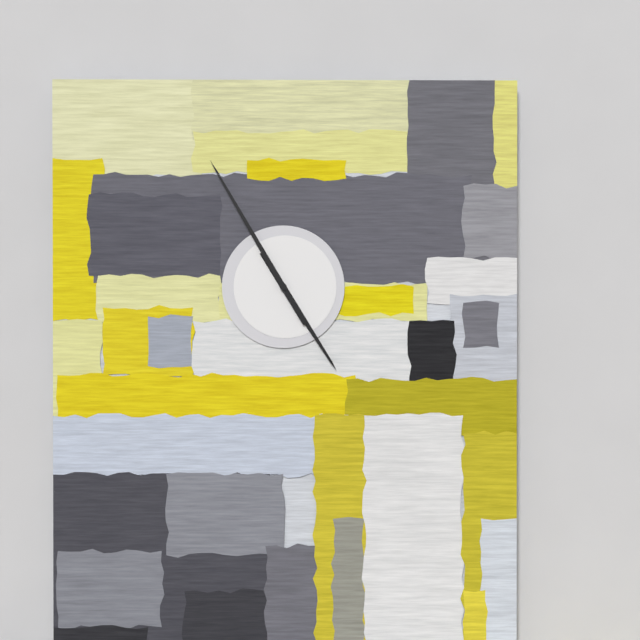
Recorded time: 4:55
